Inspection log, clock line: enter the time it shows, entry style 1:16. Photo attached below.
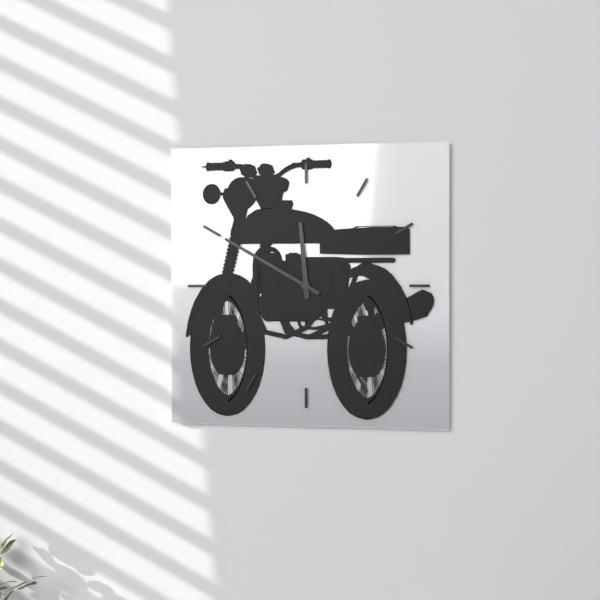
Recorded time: 11:50
